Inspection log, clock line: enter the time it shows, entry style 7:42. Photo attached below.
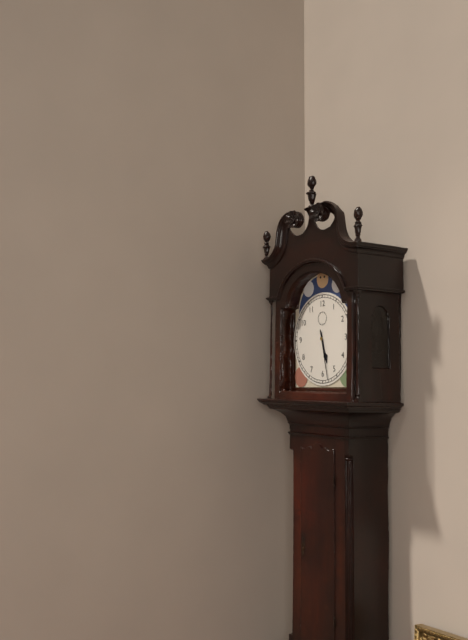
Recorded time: 5:28
